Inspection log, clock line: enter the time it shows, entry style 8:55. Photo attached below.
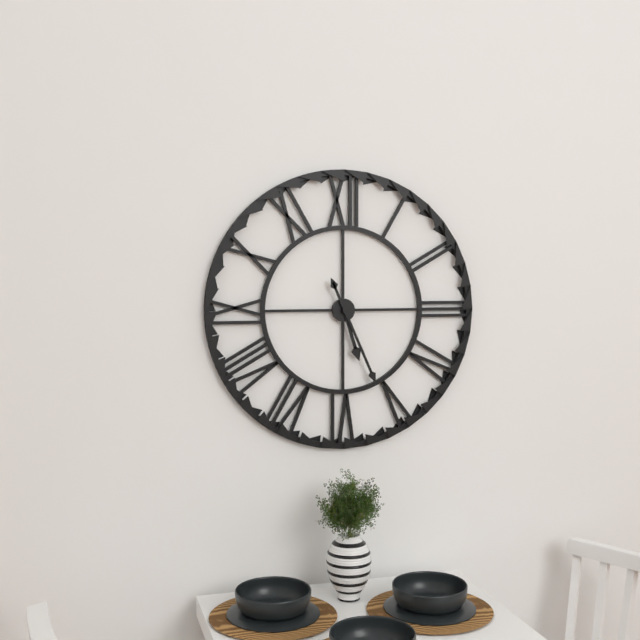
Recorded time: 5:26
